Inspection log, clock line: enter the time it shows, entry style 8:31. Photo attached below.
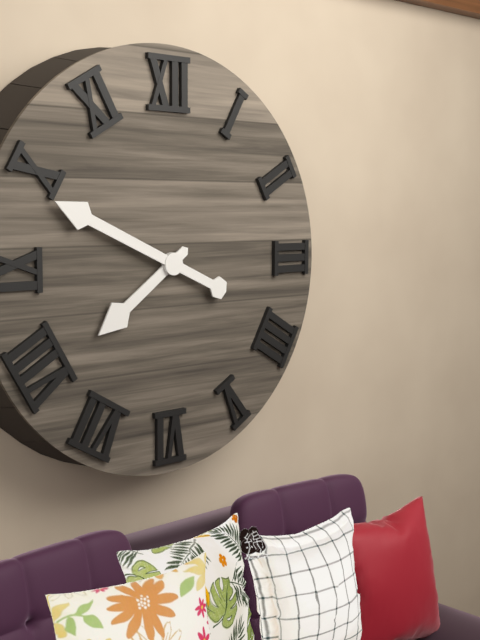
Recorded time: 7:49
